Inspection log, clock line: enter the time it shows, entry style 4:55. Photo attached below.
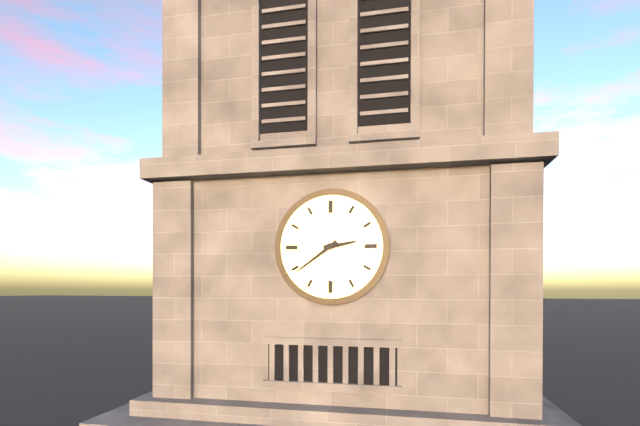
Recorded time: 2:39
